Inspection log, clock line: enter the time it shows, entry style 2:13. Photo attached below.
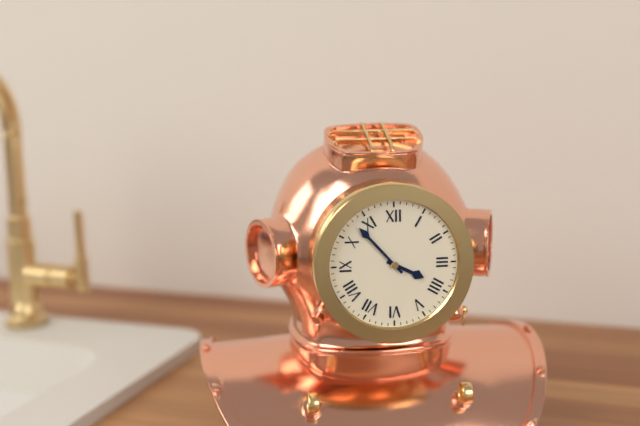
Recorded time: 3:53
